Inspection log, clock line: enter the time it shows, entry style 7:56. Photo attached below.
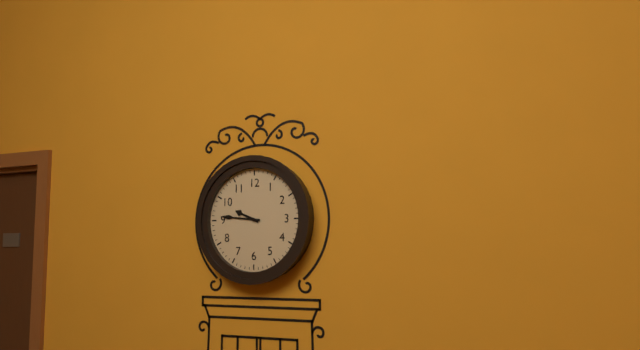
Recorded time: 9:46
